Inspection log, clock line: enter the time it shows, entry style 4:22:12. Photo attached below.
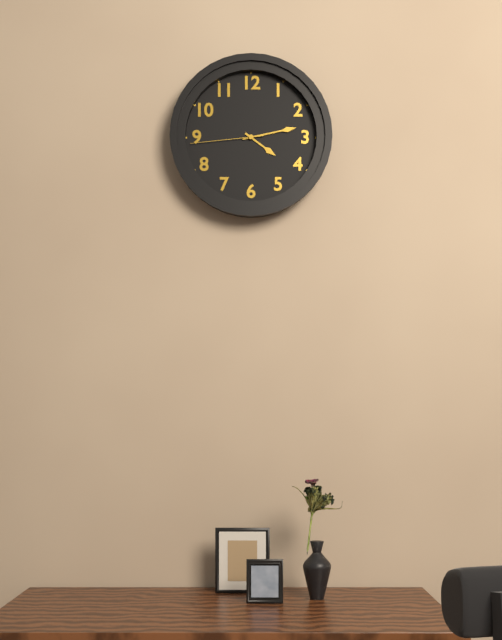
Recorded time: 4:13:44
